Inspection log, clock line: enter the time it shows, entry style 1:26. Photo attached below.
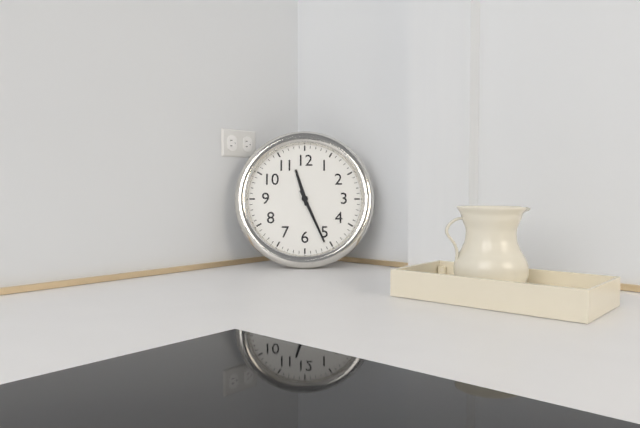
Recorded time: 11:26
